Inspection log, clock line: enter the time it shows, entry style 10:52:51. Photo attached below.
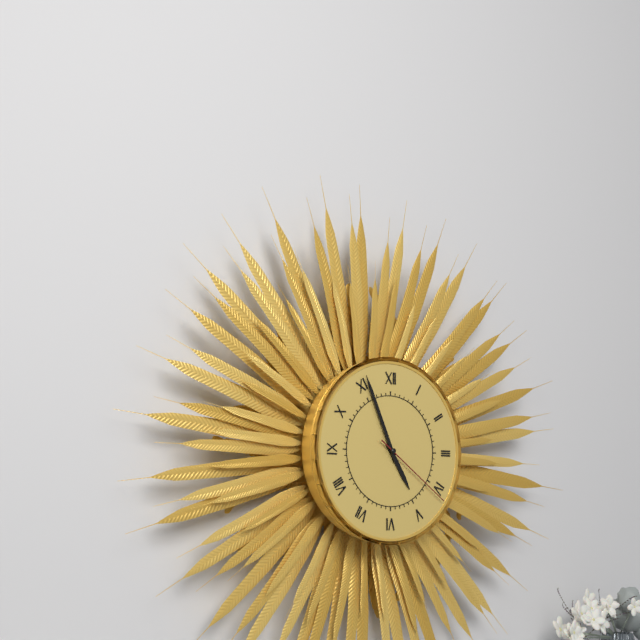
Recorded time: 4:56:21
